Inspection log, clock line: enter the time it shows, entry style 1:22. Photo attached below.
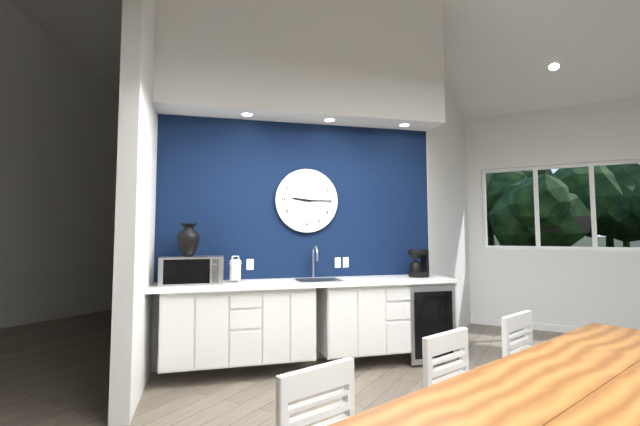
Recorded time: 9:15
